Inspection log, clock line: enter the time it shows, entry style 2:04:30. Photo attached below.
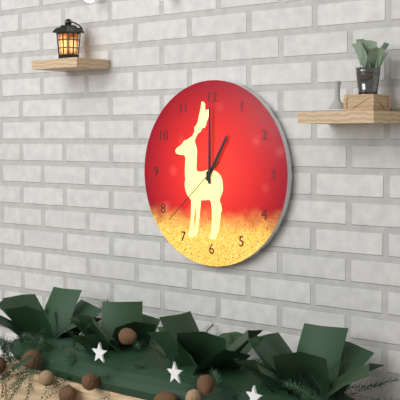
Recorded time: 1:00:38
